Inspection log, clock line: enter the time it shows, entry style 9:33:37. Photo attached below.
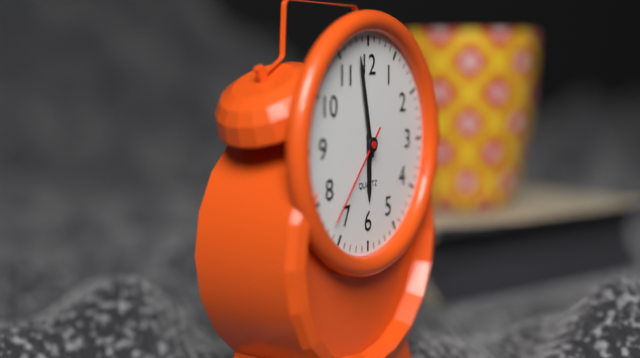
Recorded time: 5:58:37
